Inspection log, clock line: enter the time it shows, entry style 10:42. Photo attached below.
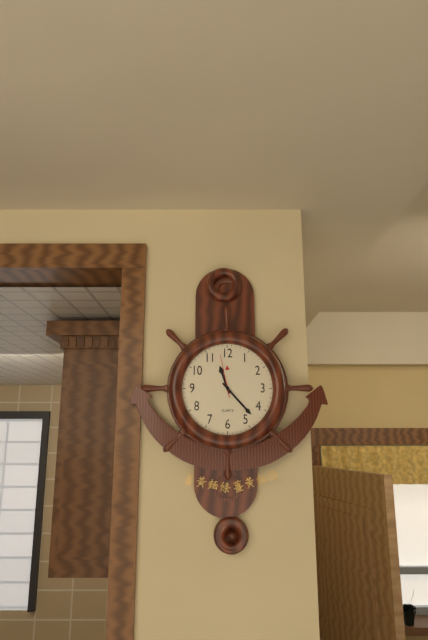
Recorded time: 11:23
